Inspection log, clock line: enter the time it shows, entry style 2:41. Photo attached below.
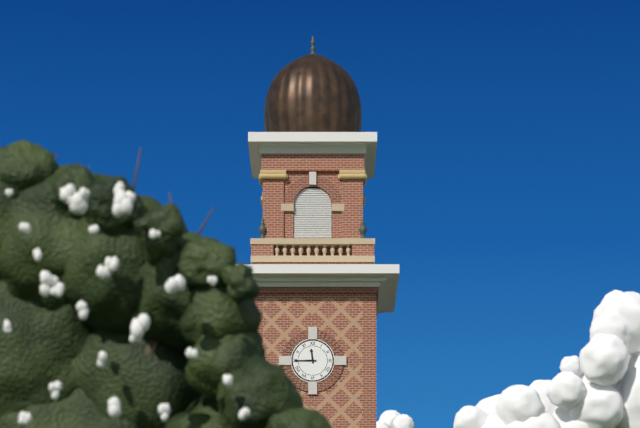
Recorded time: 11:45
